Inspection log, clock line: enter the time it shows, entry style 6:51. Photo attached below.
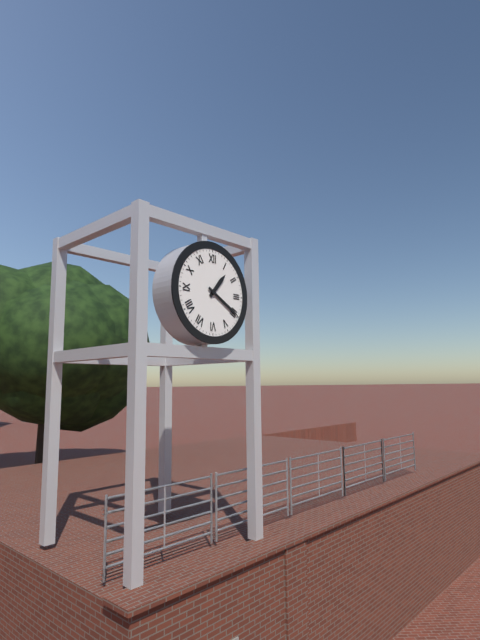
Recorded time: 1:20
